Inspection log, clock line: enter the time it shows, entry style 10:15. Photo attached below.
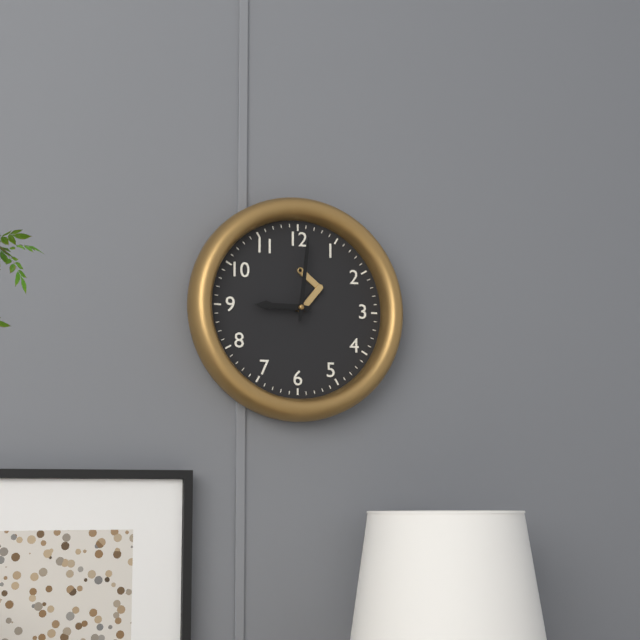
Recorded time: 9:01
